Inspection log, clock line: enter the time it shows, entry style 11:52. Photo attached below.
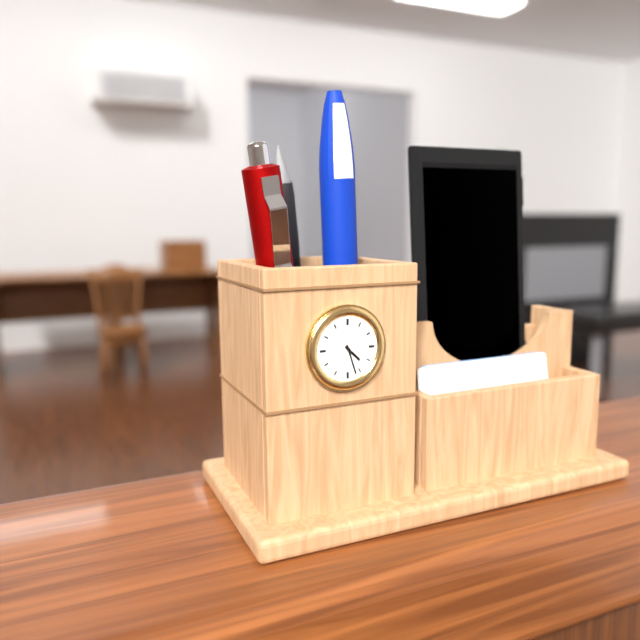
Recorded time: 4:27
